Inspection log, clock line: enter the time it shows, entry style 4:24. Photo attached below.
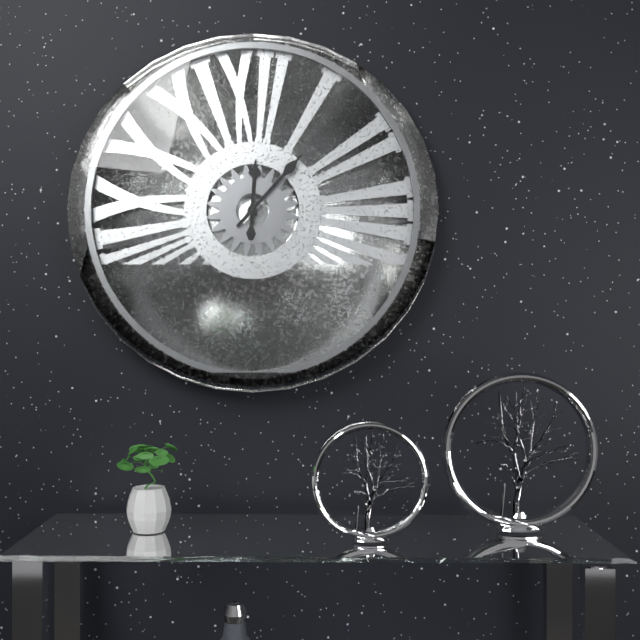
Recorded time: 12:07
